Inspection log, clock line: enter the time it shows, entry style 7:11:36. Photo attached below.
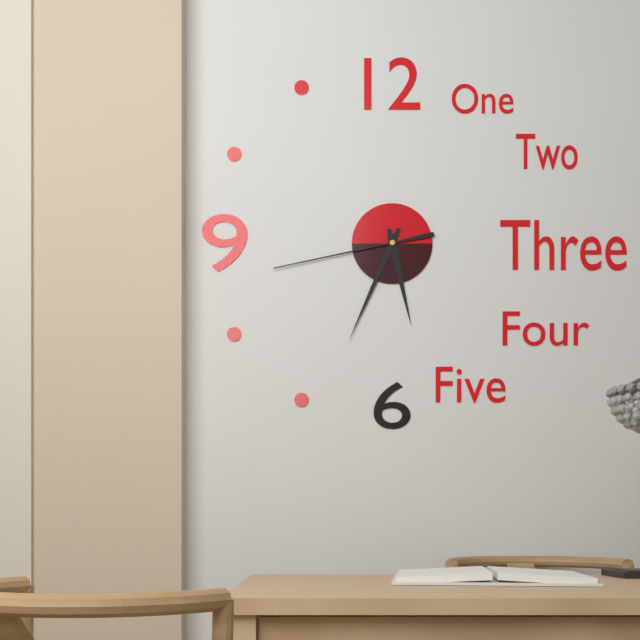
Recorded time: 5:34:43
